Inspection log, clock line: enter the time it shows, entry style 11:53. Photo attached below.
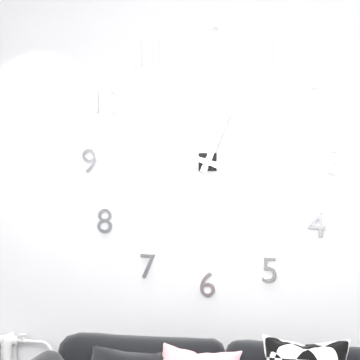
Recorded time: 12:48
